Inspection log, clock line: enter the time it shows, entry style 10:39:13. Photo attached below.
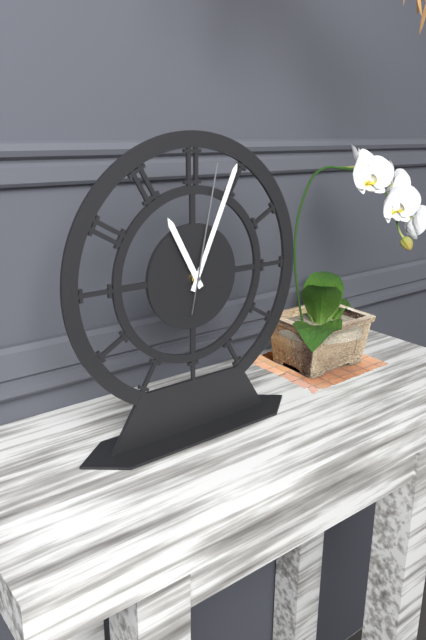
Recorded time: 11:04:02
